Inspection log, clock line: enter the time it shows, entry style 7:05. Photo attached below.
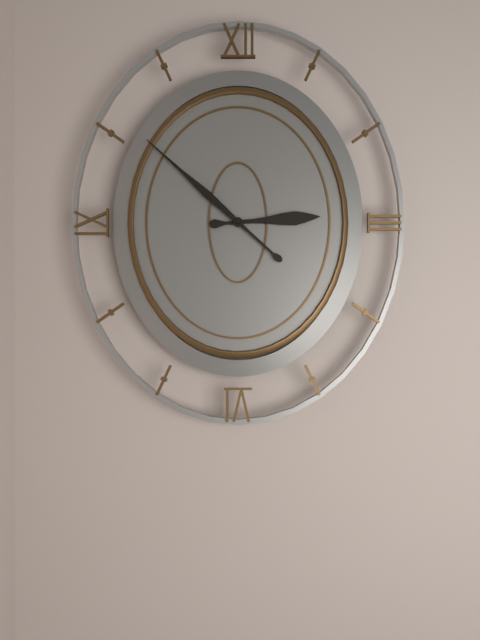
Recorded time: 2:52
